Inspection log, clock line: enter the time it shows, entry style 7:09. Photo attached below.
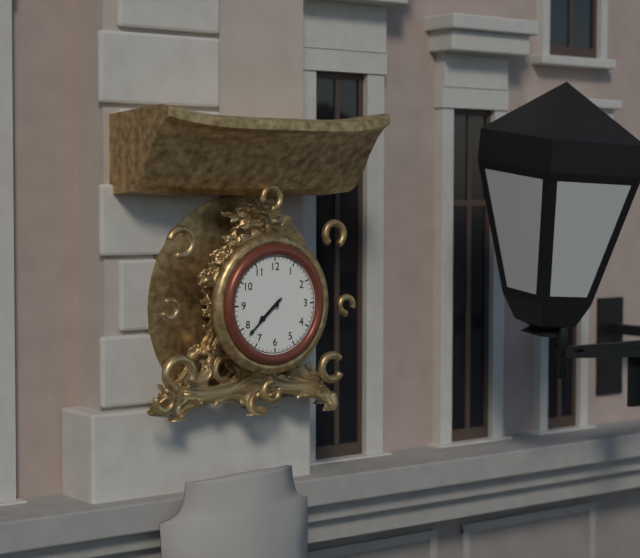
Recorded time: 7:38
